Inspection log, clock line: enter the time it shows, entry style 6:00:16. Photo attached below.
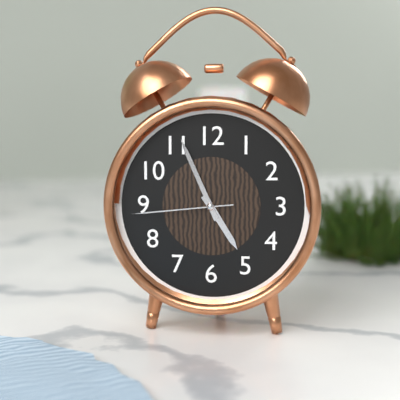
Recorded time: 4:56:44
